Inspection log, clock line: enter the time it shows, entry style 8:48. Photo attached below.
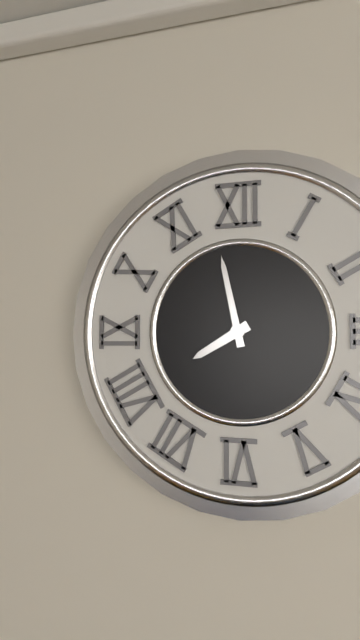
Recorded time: 7:58
